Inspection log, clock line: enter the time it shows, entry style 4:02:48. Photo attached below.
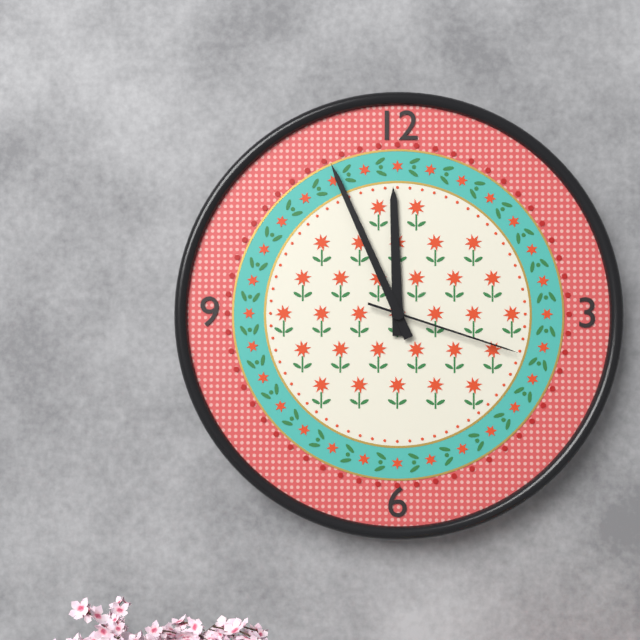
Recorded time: 11:56:18
